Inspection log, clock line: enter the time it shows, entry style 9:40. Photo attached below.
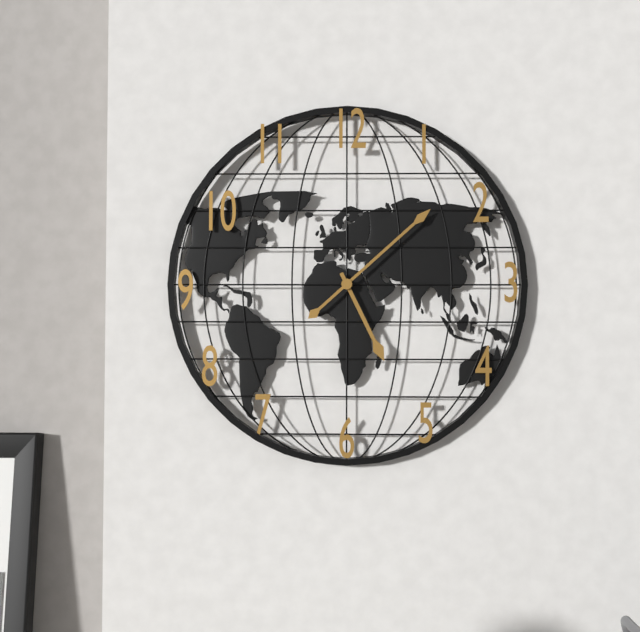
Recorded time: 5:08
